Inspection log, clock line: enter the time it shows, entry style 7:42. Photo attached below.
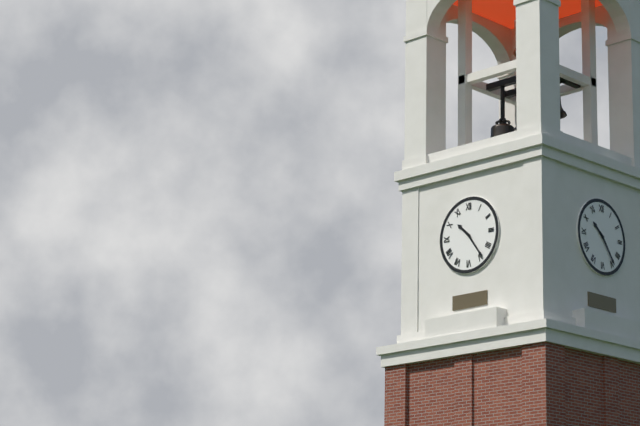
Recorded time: 10:24
